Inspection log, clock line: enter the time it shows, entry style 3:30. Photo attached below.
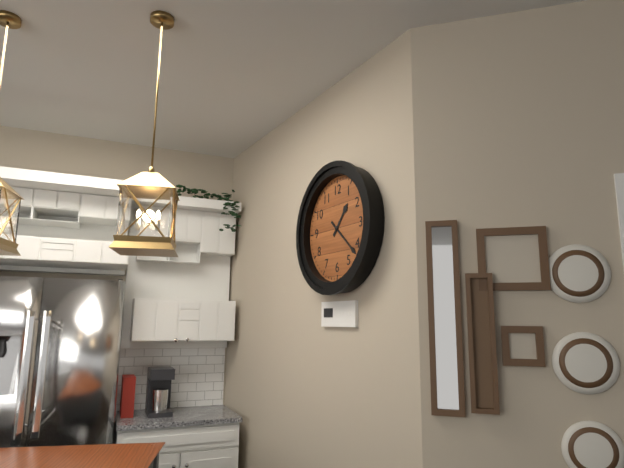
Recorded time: 1:22
